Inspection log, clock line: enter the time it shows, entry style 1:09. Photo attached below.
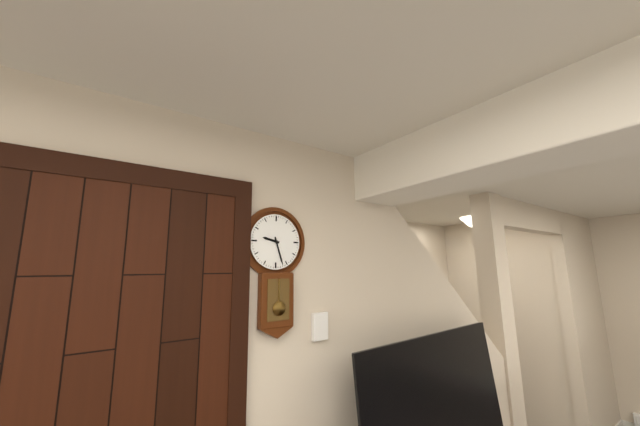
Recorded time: 9:27
